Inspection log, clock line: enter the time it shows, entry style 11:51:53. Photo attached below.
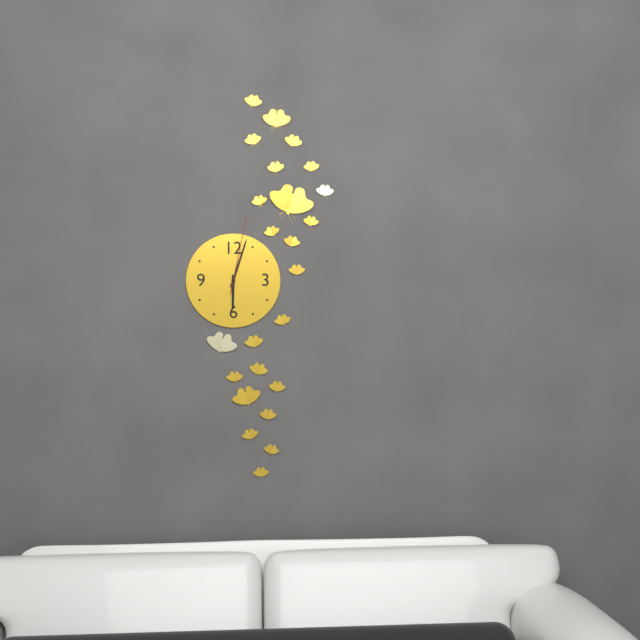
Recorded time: 6:03:02
